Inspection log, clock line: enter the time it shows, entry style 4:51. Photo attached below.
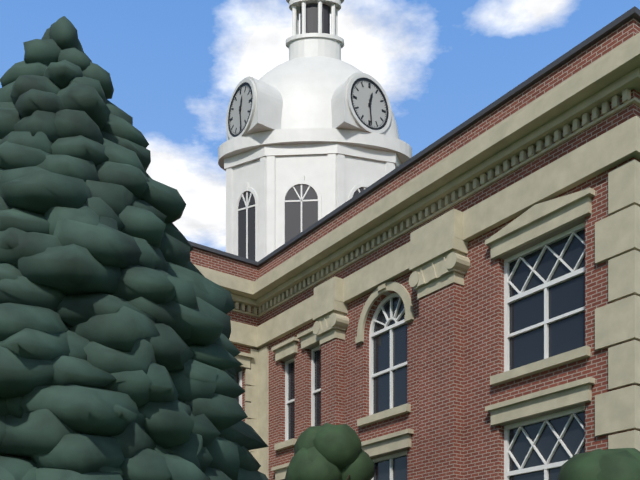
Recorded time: 12:29
